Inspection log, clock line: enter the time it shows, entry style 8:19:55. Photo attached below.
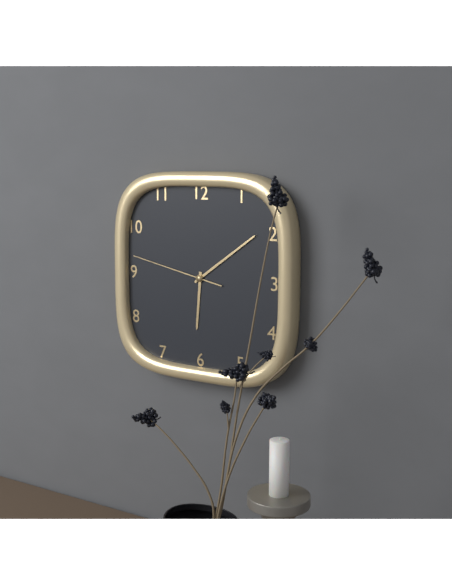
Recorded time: 6:09:47
